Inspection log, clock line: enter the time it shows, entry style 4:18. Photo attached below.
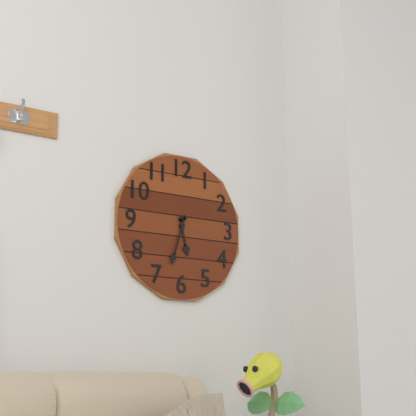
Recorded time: 5:33
